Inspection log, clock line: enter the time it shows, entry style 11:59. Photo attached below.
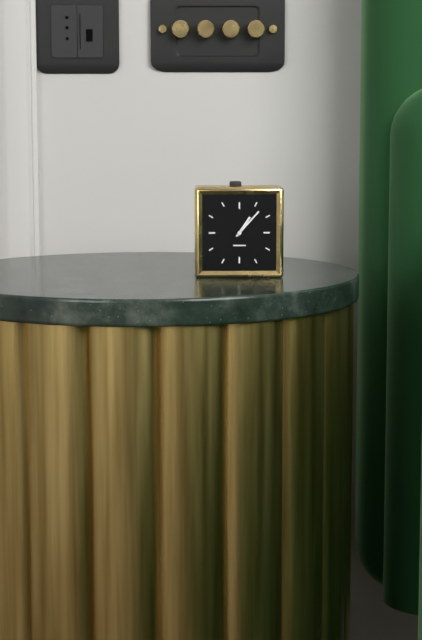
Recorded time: 1:07
